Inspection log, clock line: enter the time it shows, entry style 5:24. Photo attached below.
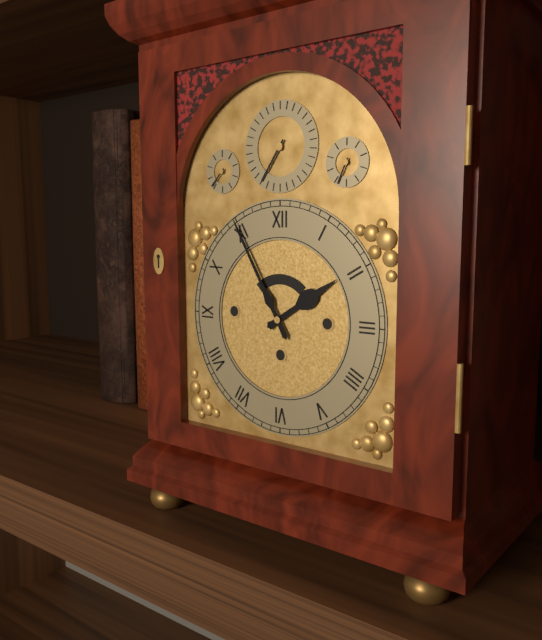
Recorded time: 1:55
